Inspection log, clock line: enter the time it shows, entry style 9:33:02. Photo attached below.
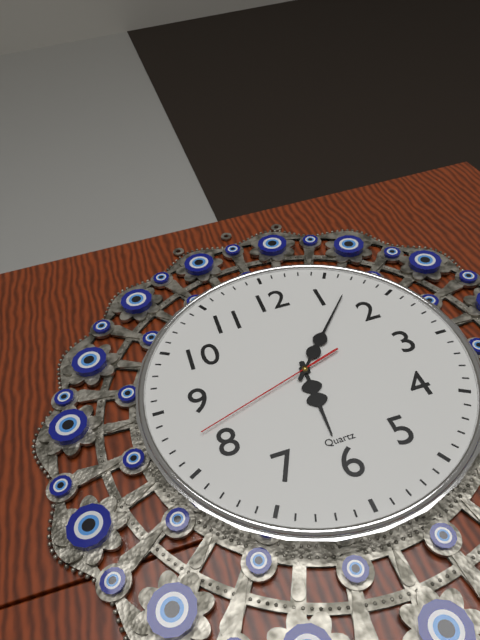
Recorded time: 6:07:42
